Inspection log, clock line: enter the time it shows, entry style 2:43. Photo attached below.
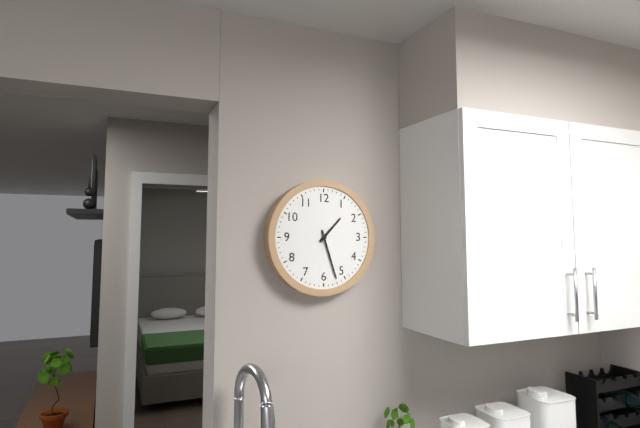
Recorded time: 1:27
